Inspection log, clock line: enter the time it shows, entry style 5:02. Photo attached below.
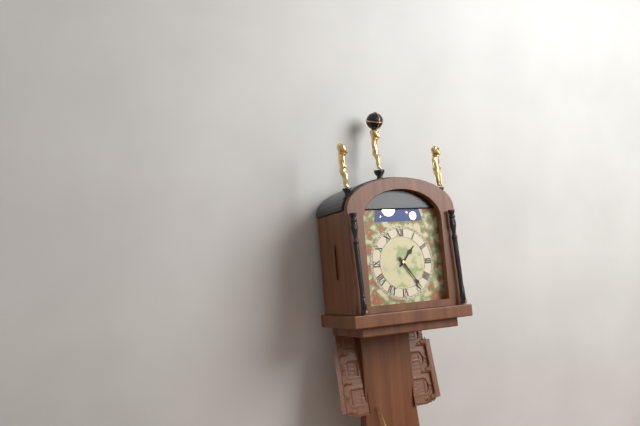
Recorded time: 1:24
